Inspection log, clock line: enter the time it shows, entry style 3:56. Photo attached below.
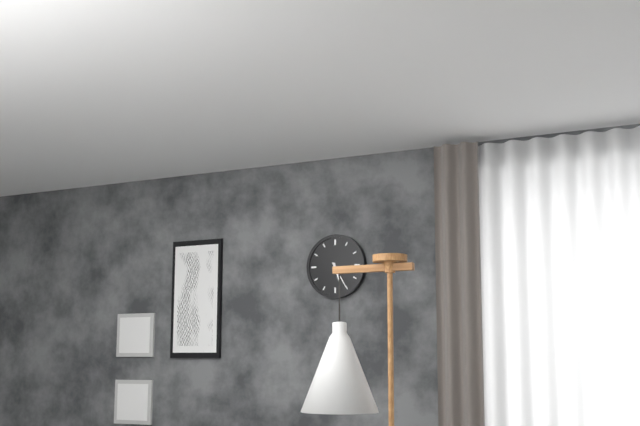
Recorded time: 5:25
